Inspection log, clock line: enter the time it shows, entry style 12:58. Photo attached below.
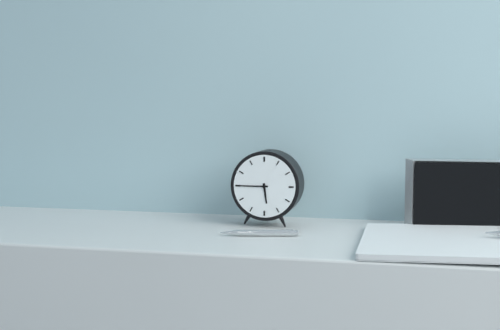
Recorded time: 5:45
